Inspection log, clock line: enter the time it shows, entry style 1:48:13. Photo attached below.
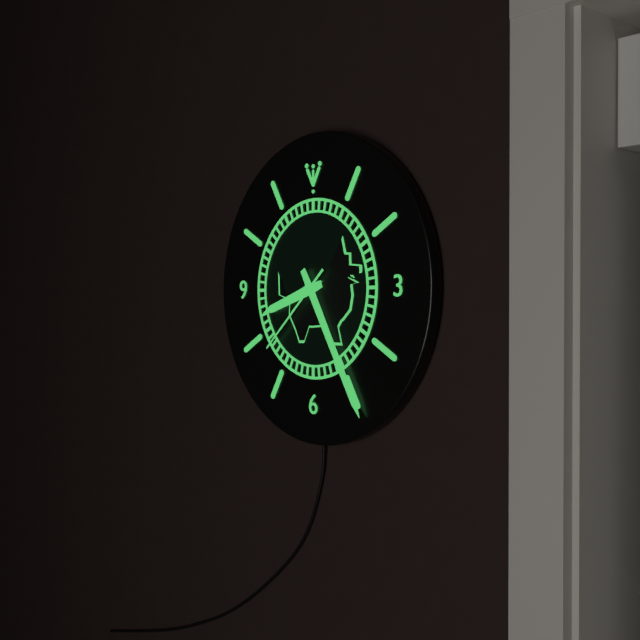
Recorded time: 8:25:38
